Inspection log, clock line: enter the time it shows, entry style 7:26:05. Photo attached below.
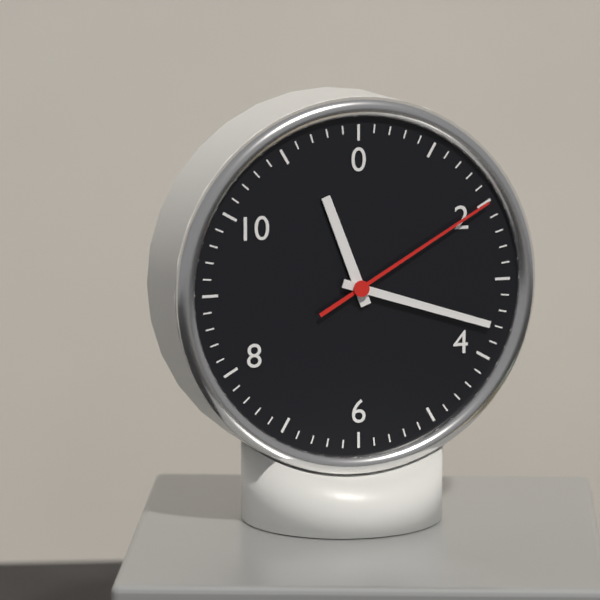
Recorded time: 11:18:10
